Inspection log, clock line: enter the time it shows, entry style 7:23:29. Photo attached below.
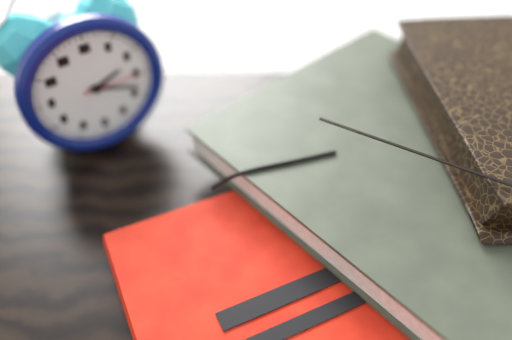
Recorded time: 2:18:15
